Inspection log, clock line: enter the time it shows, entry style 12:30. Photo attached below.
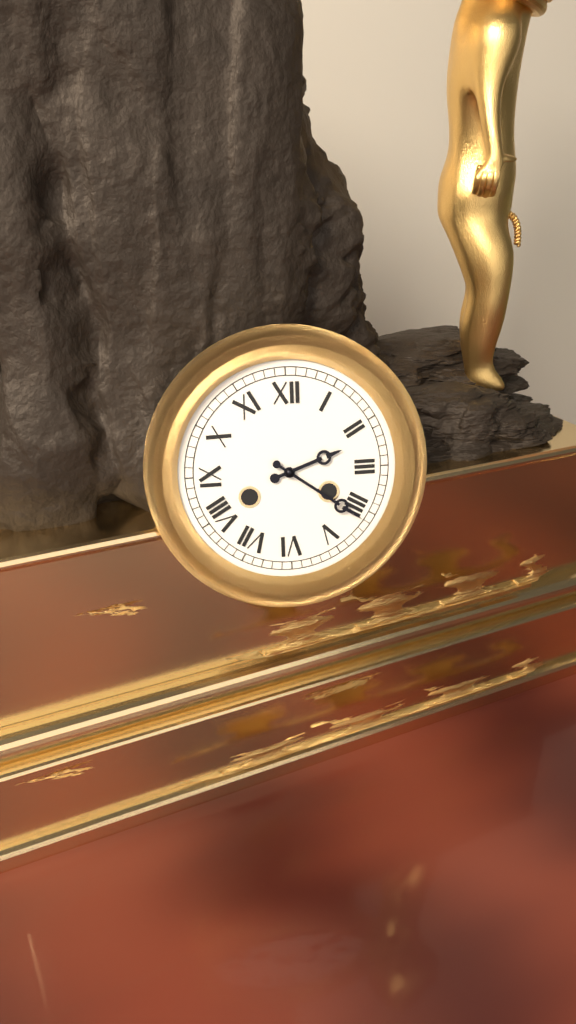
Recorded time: 2:21
